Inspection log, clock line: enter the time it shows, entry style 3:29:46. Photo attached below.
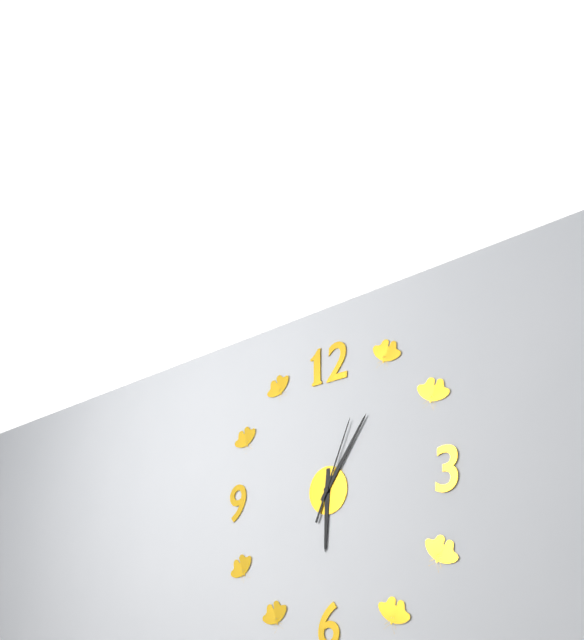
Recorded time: 6:06:04
